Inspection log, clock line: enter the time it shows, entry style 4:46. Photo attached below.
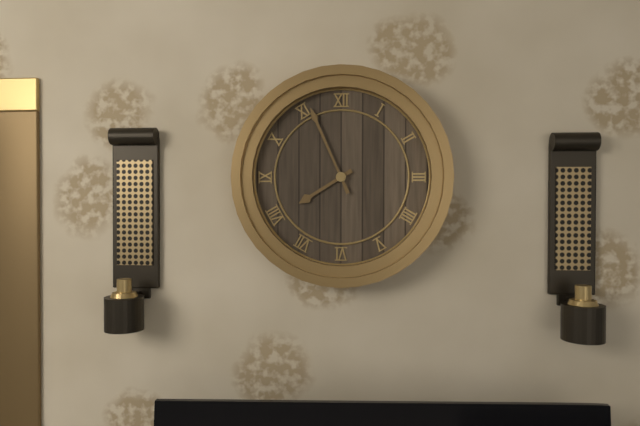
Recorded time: 7:56
